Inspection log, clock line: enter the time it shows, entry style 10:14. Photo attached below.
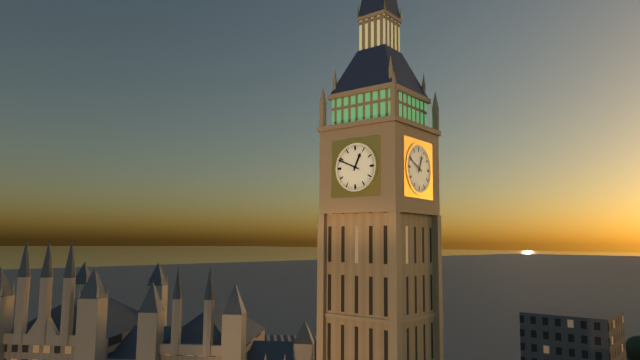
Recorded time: 12:49
